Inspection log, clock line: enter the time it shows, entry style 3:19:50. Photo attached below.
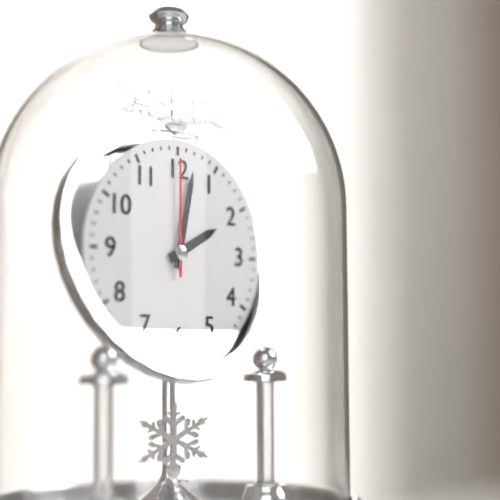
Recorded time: 2:02:00
